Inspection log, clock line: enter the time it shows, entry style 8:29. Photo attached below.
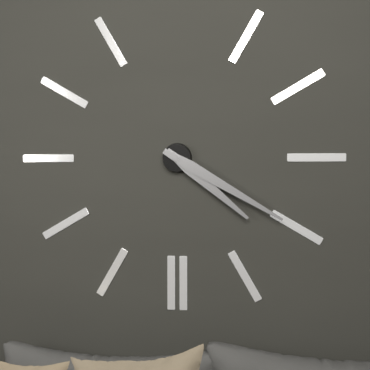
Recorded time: 4:20
